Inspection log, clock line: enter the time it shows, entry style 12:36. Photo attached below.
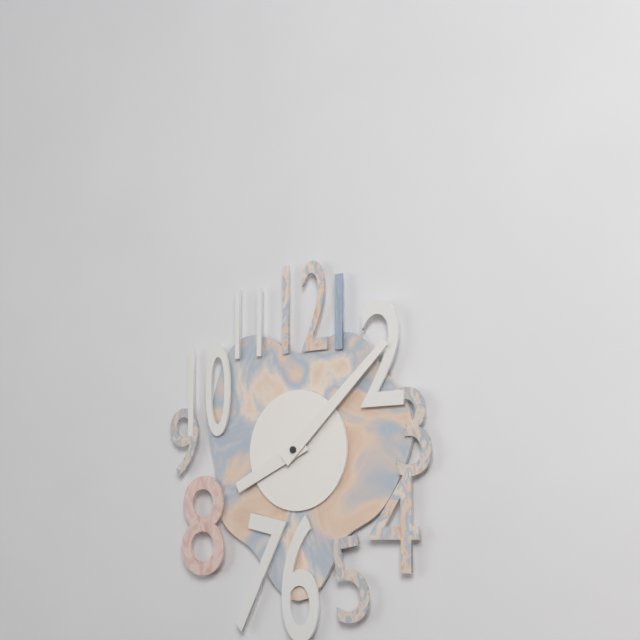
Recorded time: 8:08
